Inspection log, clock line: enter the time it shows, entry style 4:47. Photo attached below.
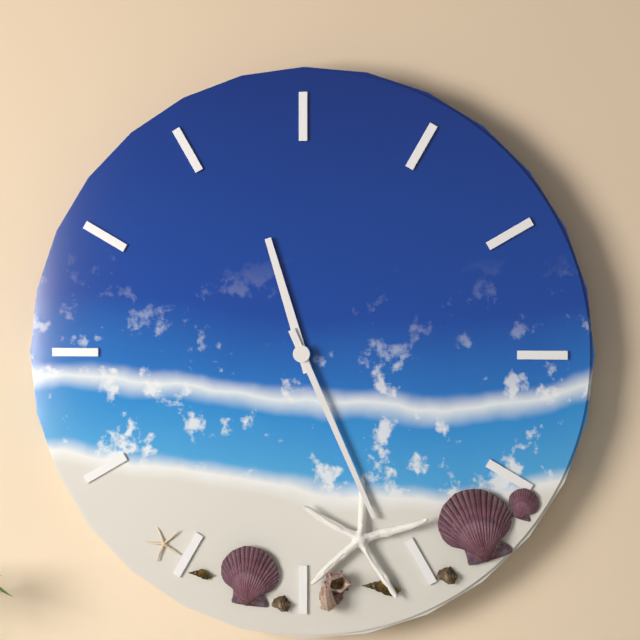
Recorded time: 11:26
